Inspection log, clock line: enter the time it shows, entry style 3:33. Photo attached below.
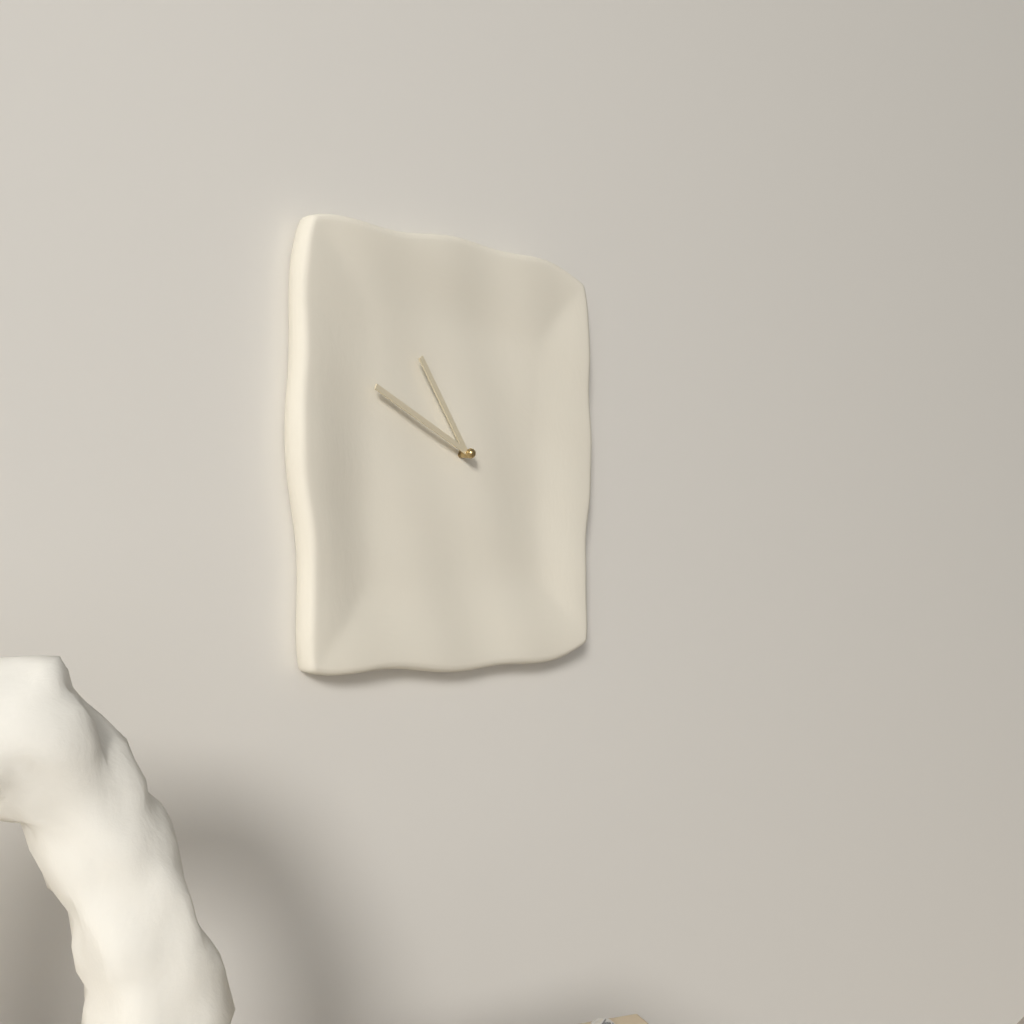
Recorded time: 10:49
